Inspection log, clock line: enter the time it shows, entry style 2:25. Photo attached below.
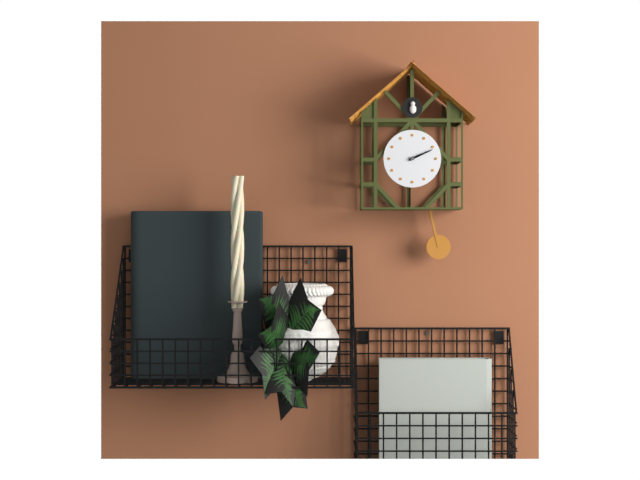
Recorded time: 2:11
